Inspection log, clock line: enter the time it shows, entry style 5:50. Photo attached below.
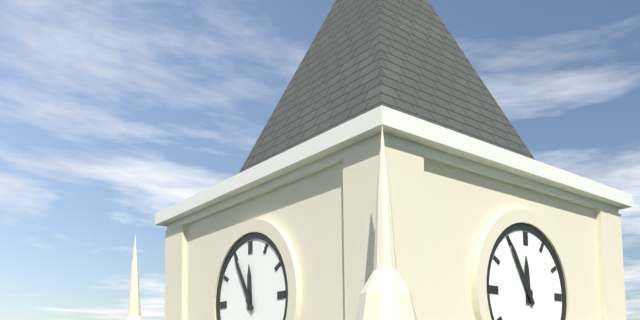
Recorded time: 11:55
